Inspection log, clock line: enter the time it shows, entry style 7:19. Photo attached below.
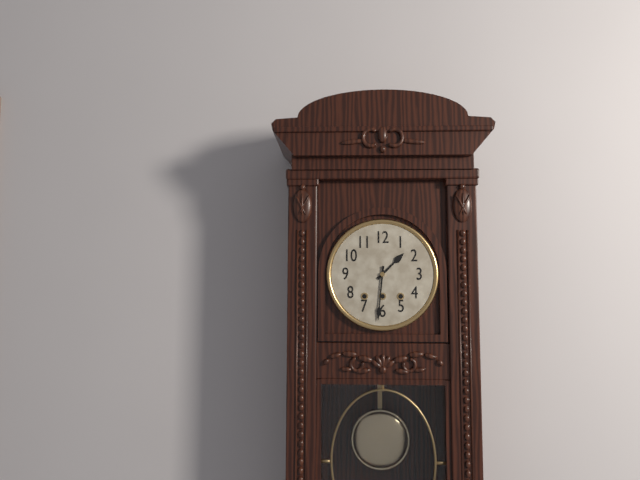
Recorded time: 1:31
